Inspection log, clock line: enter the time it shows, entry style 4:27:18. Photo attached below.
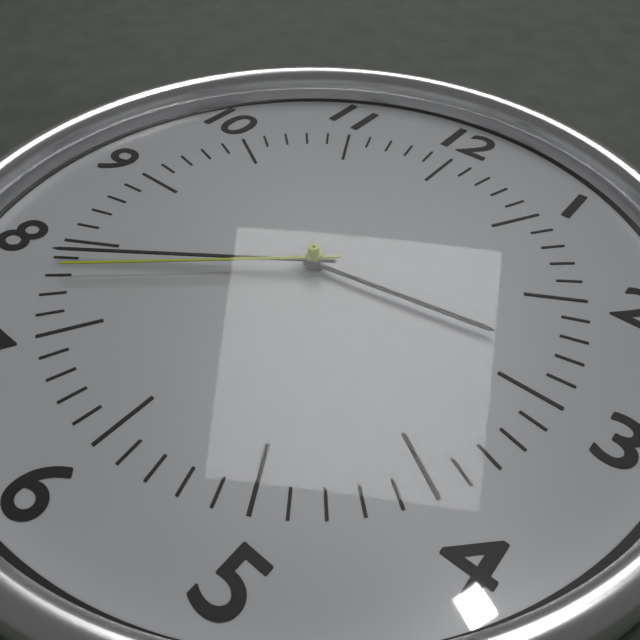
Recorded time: 2:39:38
